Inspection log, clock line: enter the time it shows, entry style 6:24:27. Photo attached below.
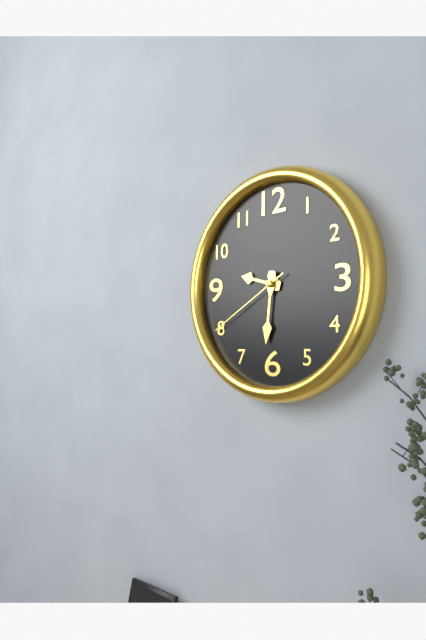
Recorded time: 9:31:40
